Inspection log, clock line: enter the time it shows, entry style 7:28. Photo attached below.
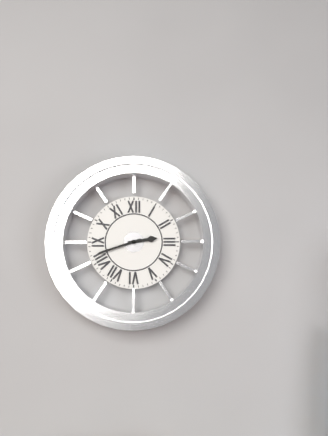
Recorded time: 2:42
